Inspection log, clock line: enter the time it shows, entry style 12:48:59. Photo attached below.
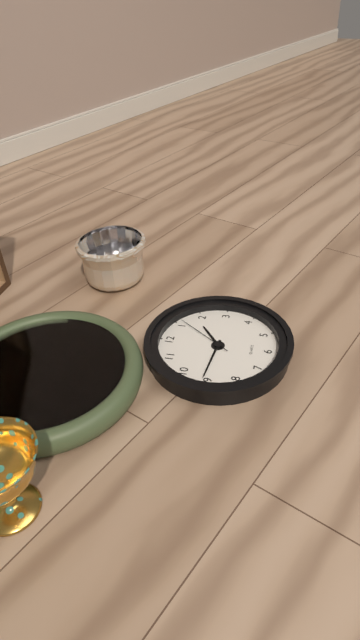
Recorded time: 1:46:06
